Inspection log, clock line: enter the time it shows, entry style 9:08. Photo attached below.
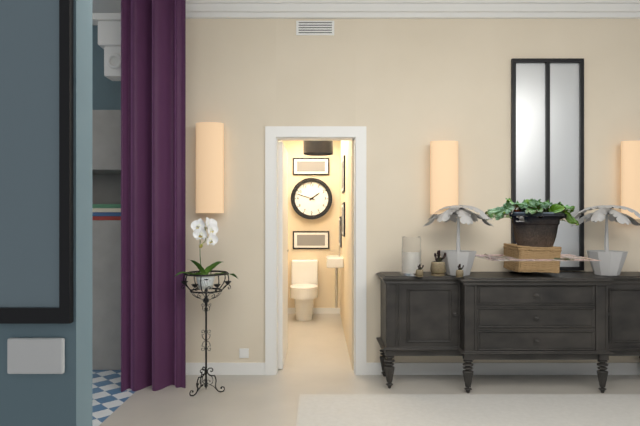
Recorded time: 1:48
